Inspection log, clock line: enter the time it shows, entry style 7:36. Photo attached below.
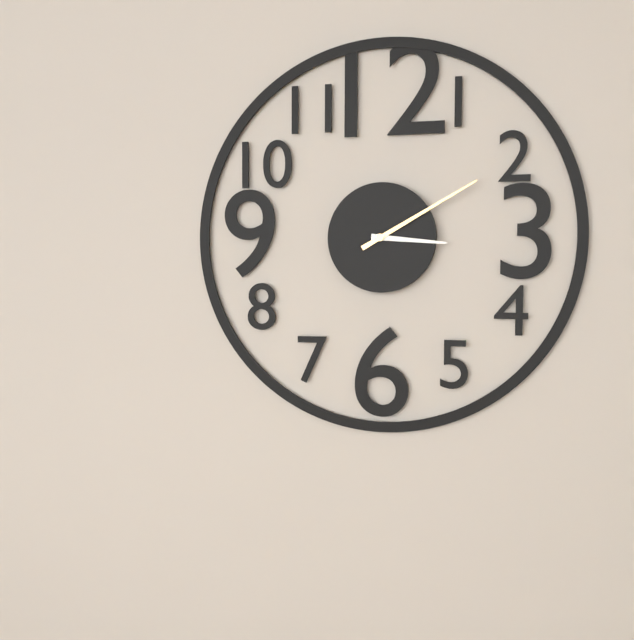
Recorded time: 3:10
